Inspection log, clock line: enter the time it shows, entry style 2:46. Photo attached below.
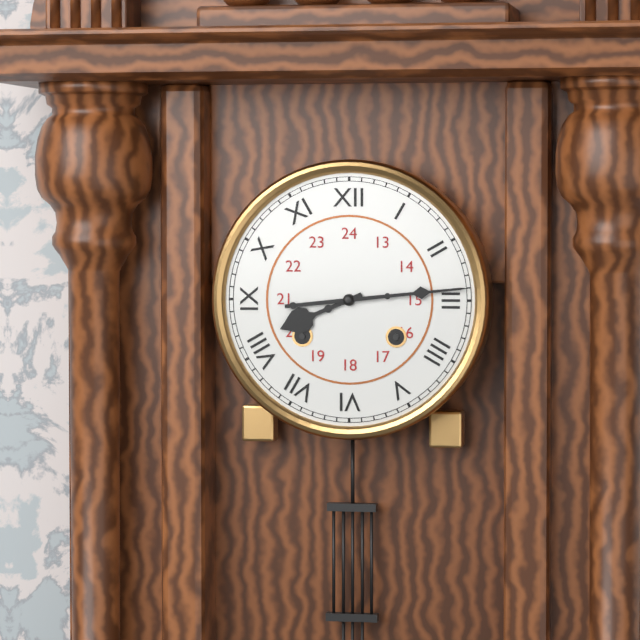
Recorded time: 8:14
